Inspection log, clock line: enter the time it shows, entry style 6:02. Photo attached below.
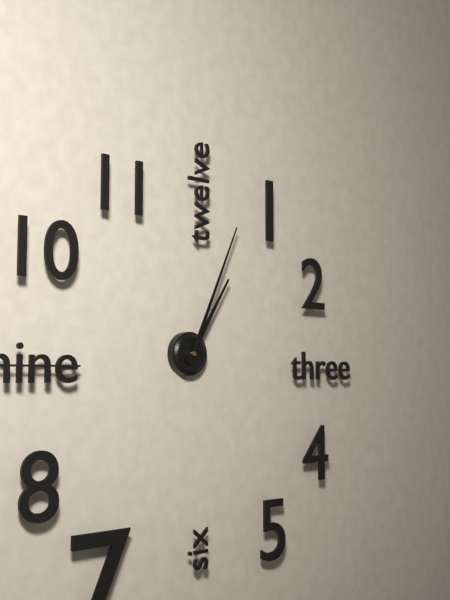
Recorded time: 1:04
